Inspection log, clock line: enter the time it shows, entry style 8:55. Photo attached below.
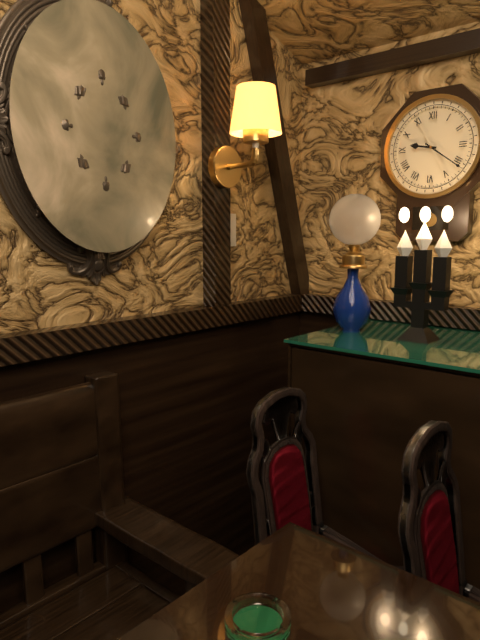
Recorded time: 9:21
